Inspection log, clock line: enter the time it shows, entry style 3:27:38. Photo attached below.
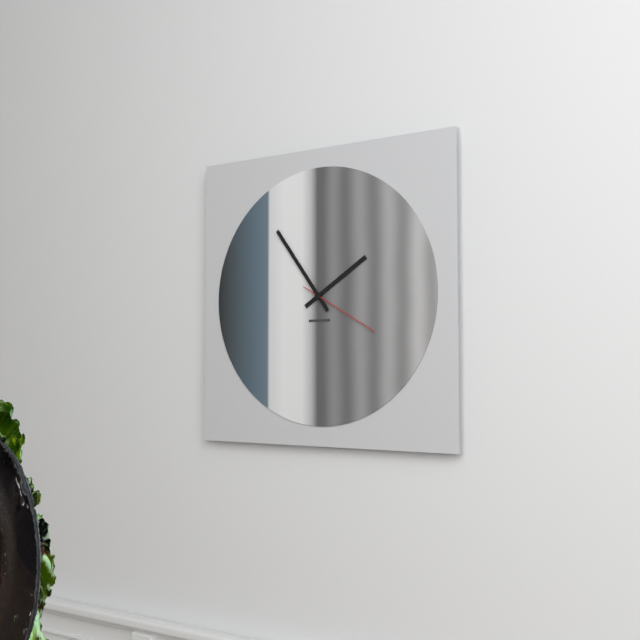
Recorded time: 1:54:20
